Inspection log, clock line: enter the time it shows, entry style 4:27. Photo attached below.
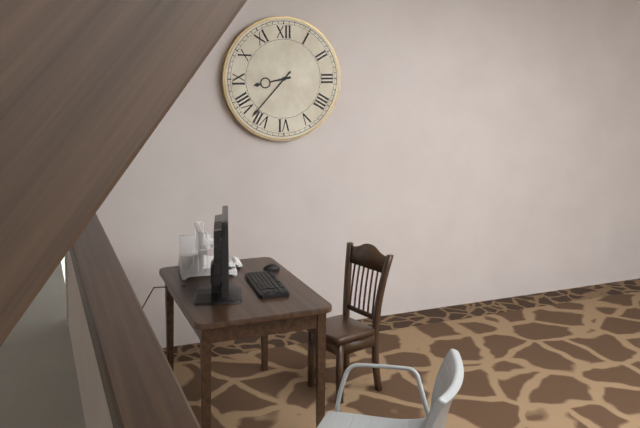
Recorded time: 8:37
